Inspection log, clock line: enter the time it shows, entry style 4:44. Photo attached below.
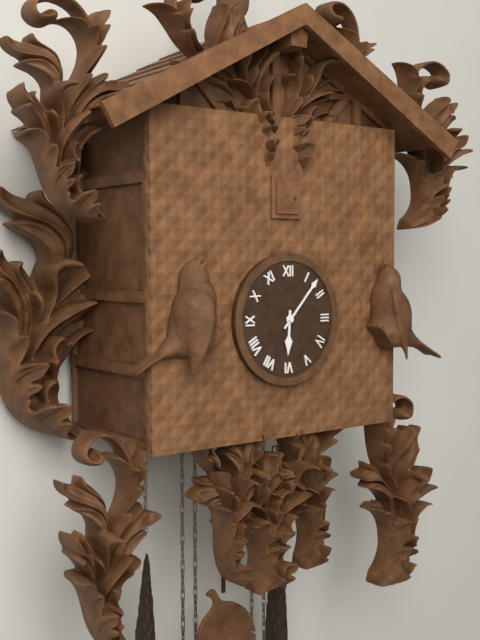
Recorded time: 6:07
